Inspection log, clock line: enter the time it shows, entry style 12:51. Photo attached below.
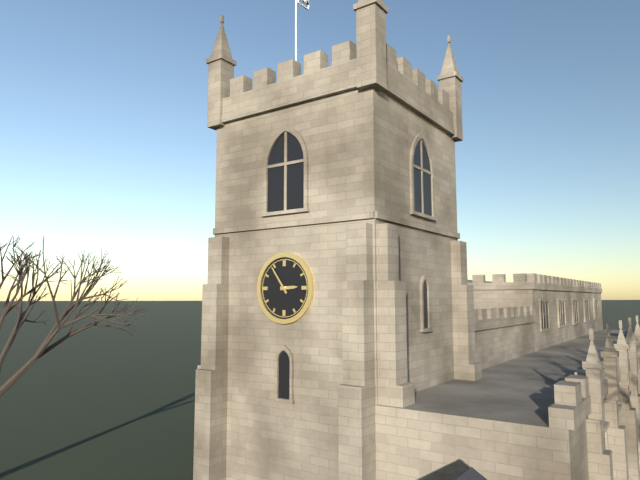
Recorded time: 2:54
